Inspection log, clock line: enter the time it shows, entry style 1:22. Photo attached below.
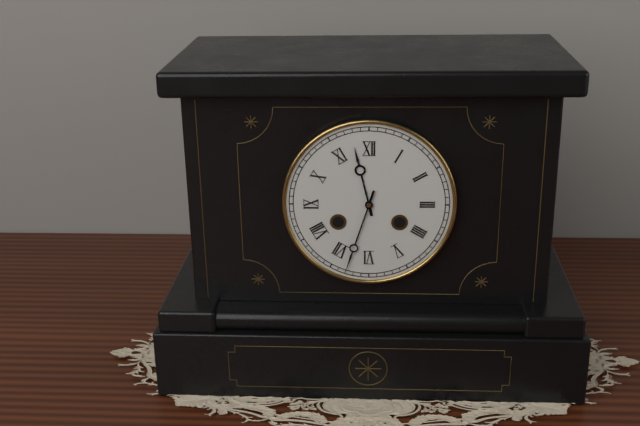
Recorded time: 11:33
